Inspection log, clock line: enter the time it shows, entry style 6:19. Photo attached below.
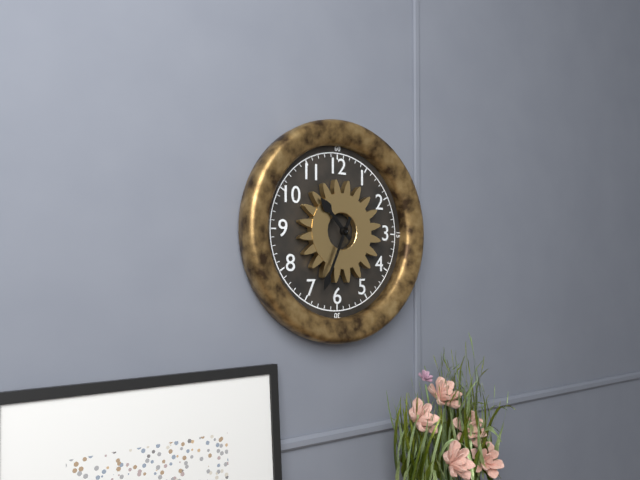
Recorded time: 10:34
